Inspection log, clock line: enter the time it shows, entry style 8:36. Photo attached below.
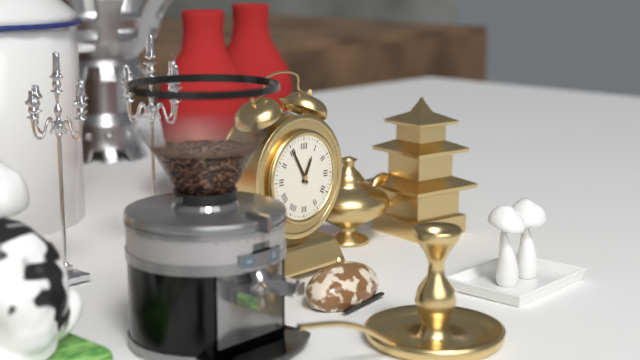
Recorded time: 12:55
